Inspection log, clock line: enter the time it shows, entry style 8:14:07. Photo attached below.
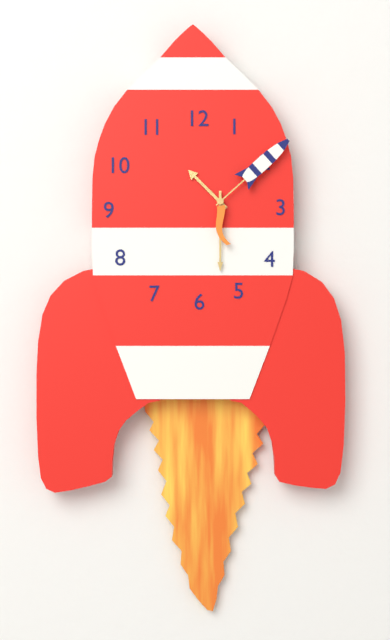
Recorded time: 10:30:08
